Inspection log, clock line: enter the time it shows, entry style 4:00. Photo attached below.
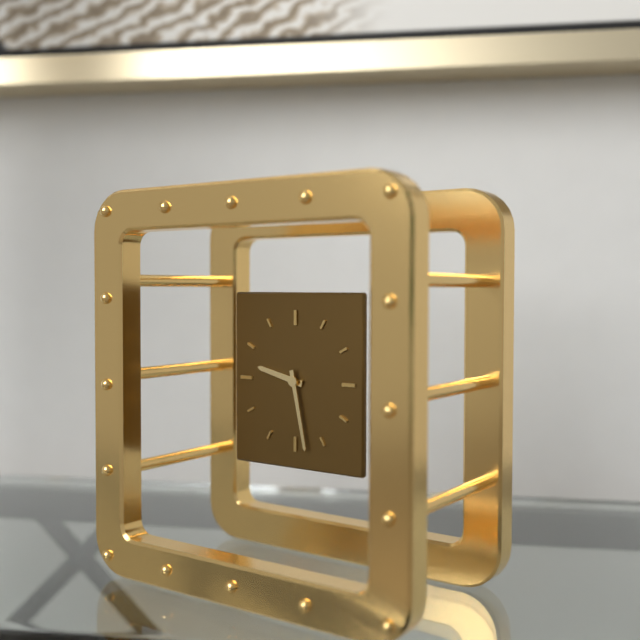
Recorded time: 9:28
